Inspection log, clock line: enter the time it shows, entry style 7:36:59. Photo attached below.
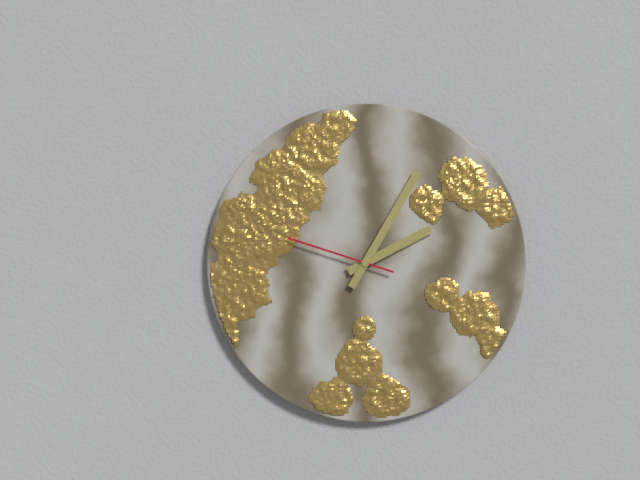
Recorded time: 2:05:48
